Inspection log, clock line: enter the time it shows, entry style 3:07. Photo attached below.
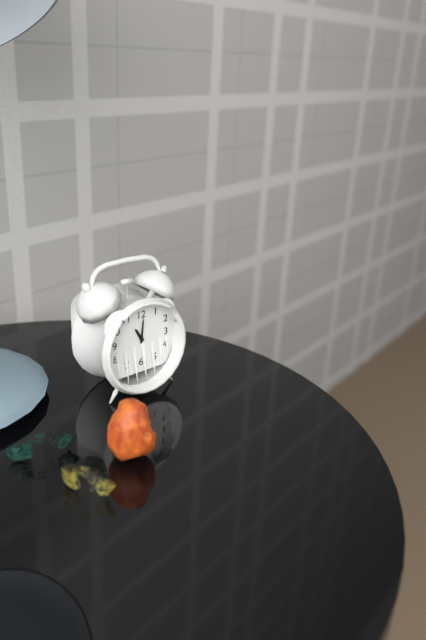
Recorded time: 11:01
